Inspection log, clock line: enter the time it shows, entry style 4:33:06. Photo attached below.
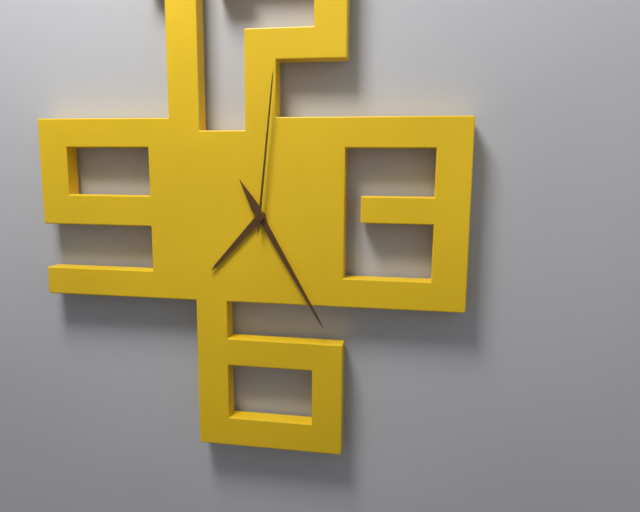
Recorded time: 7:25:01
